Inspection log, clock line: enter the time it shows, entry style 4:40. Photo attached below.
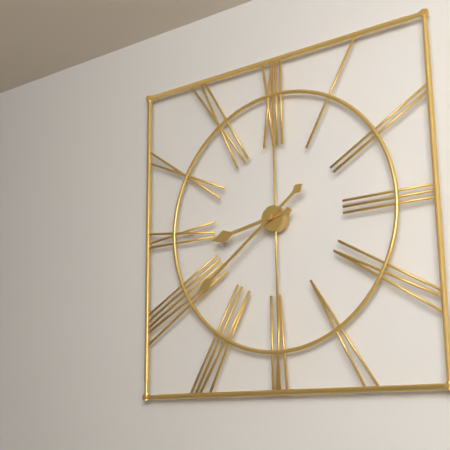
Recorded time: 8:39
